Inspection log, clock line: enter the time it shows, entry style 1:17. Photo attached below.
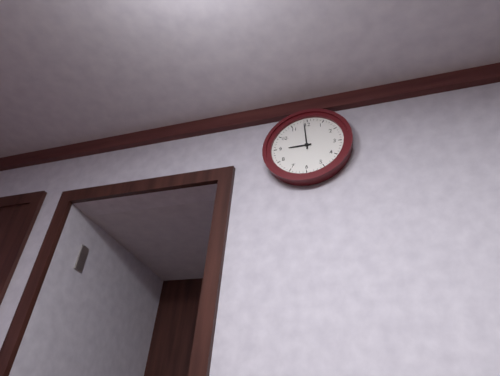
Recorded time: 8:59
